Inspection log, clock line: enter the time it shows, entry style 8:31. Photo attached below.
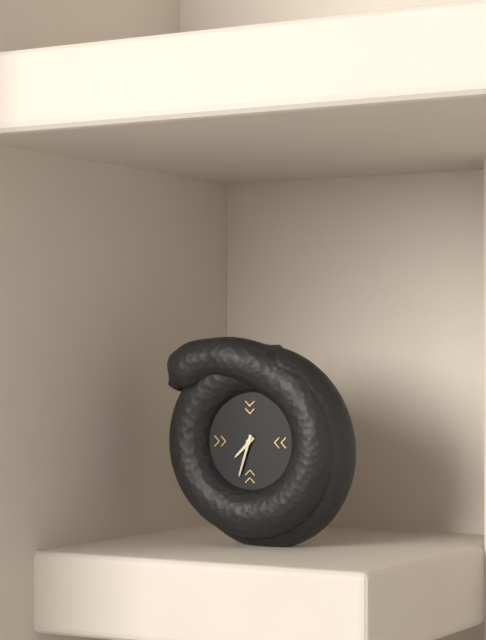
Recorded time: 7:33
